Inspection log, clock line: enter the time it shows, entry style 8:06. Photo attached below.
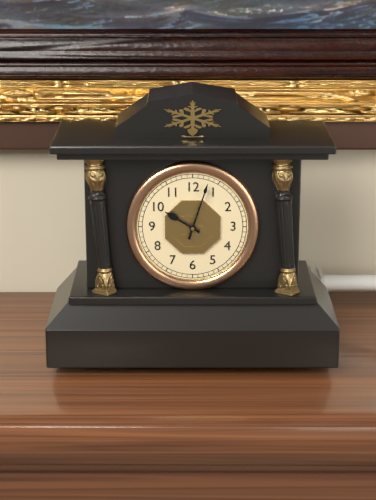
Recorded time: 10:03
